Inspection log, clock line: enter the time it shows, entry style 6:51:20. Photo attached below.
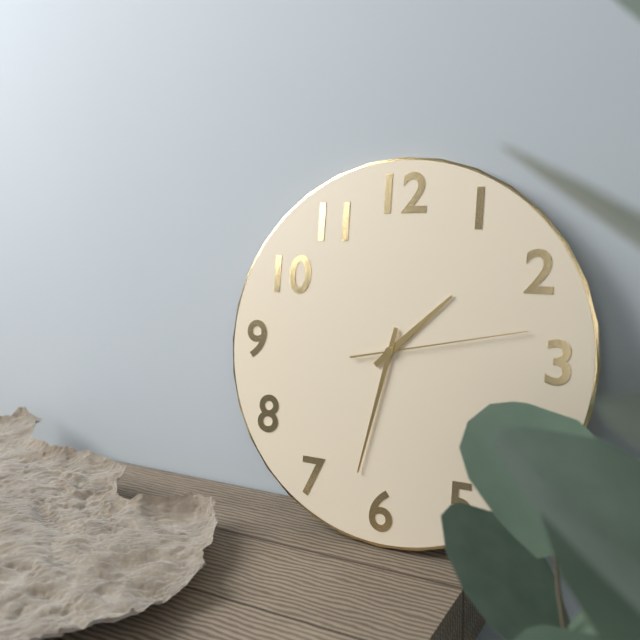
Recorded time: 1:32:13
